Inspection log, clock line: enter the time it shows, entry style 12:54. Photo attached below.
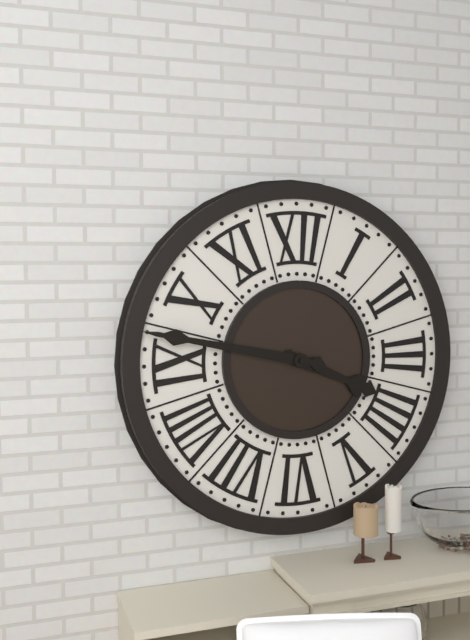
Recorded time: 3:47
